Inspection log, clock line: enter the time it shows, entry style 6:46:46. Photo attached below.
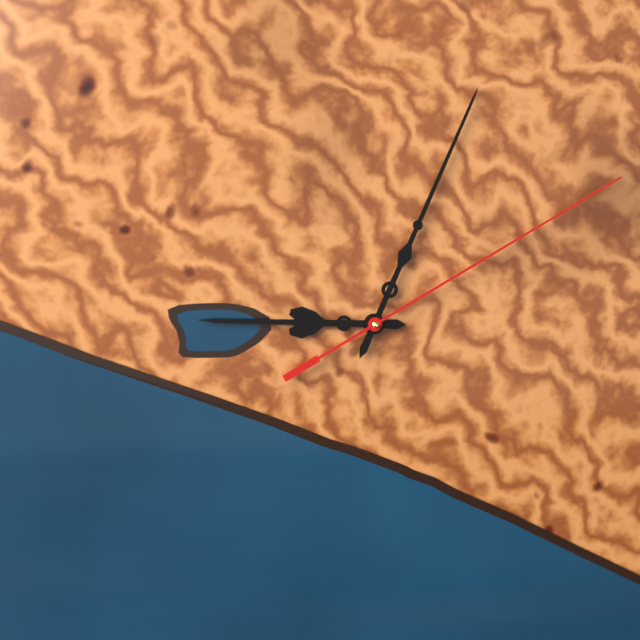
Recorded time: 9:04:10
